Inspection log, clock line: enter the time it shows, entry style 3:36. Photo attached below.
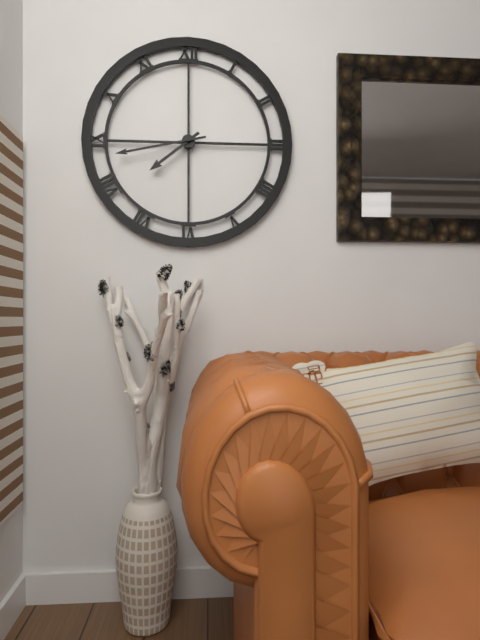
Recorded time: 7:43
